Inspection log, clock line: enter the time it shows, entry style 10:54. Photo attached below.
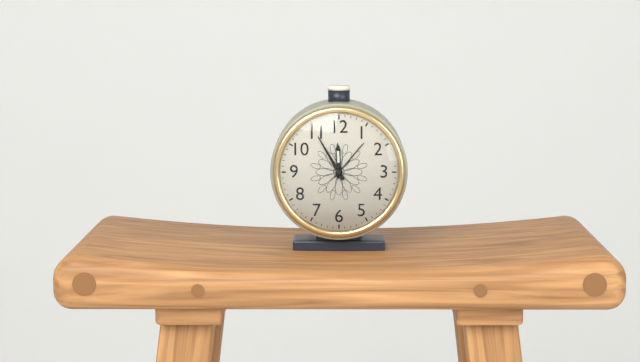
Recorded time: 11:55
